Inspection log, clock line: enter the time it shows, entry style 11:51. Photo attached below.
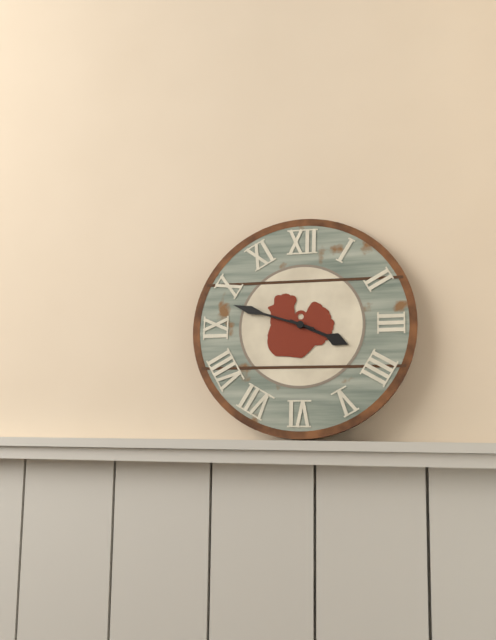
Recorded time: 3:48
